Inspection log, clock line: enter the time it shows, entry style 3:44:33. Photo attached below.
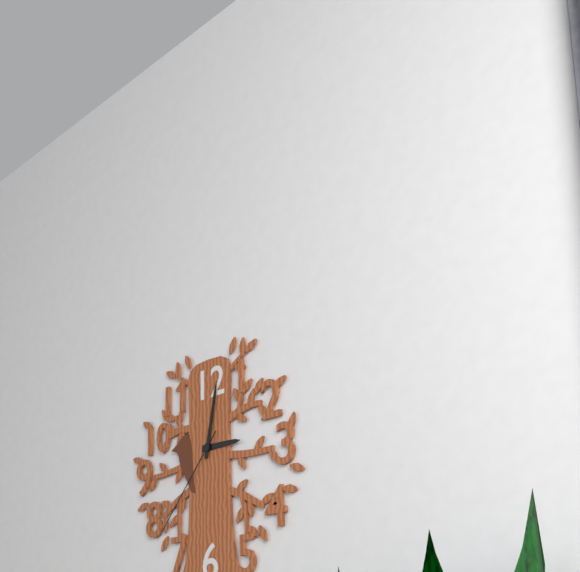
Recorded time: 3:02:37
